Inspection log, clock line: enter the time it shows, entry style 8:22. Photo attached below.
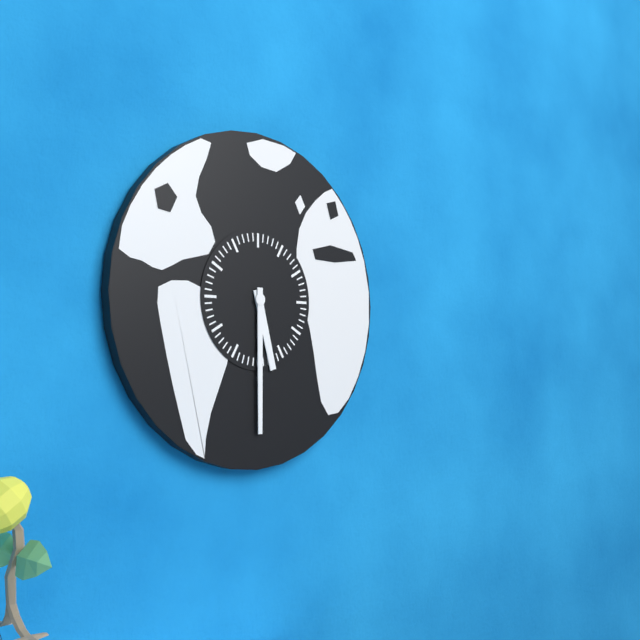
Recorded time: 5:30
